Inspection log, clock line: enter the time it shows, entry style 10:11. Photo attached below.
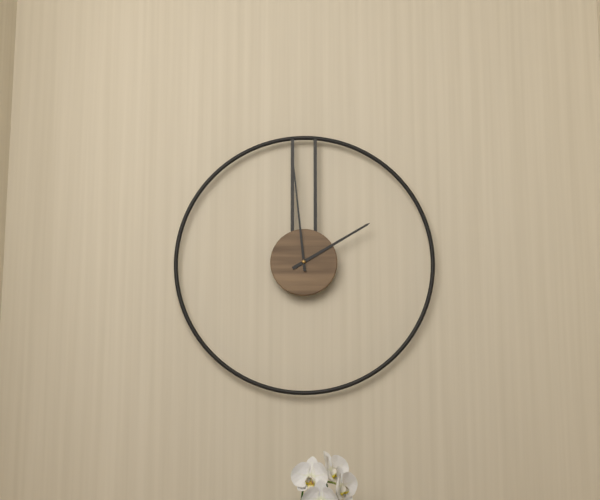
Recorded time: 1:59
